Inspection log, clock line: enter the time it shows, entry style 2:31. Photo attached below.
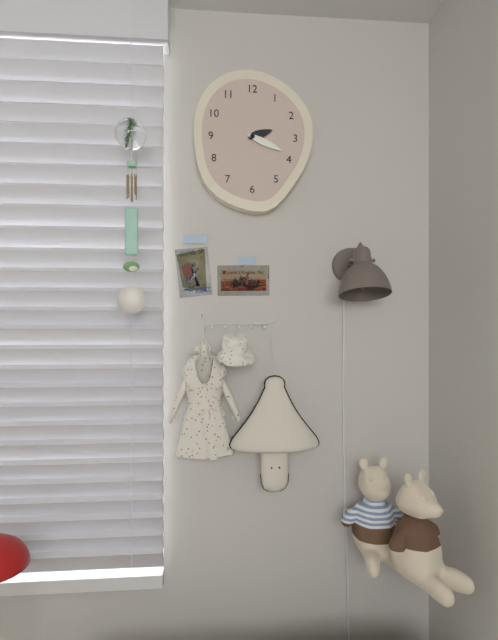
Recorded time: 2:19
